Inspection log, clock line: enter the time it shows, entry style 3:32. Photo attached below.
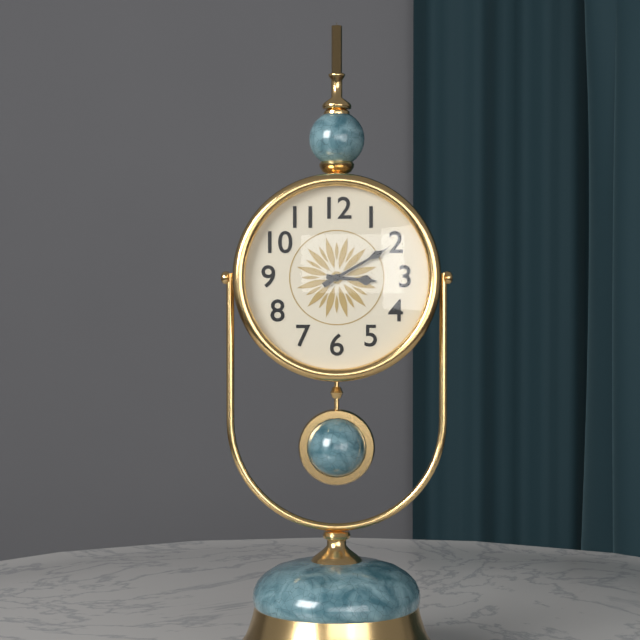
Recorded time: 3:10
